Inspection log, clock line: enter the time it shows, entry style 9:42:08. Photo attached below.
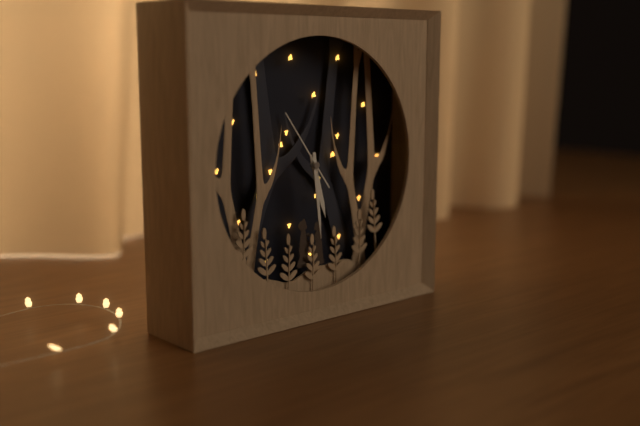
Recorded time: 5:29:54
